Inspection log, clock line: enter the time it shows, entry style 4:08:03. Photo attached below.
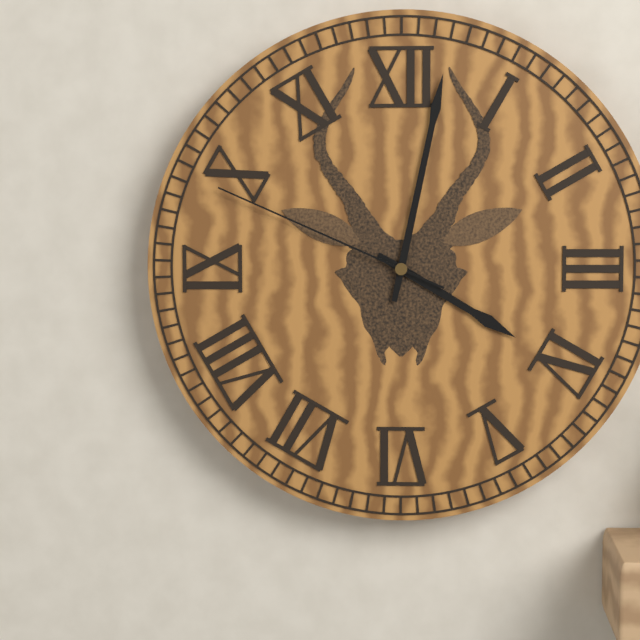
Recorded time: 4:02:49
